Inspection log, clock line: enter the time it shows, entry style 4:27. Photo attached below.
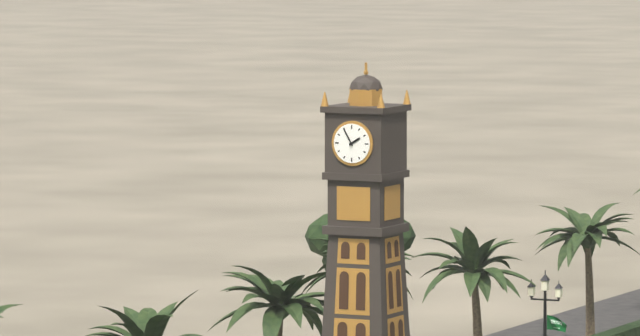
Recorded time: 1:55
